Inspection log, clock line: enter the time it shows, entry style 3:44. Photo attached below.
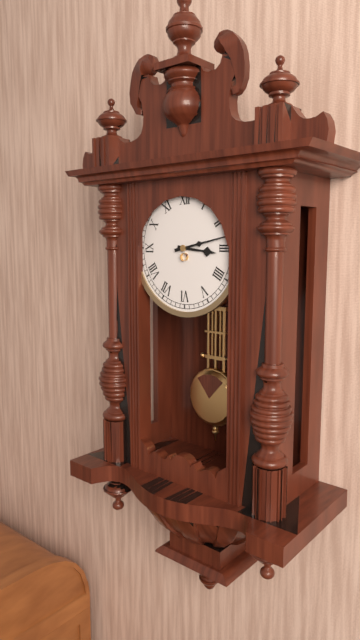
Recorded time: 3:13
